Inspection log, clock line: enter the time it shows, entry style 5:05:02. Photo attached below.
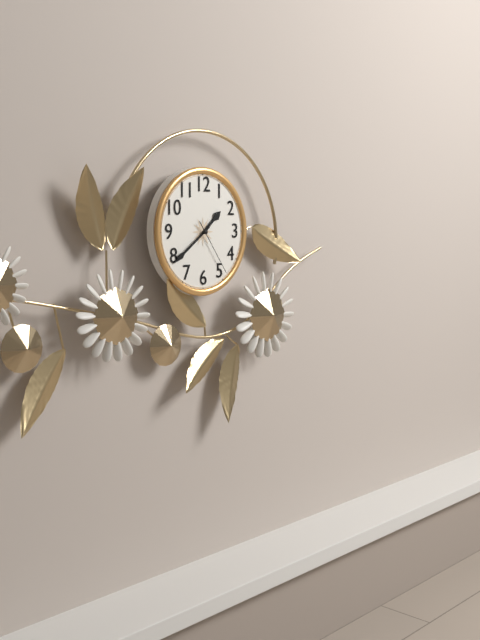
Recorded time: 1:39:24
